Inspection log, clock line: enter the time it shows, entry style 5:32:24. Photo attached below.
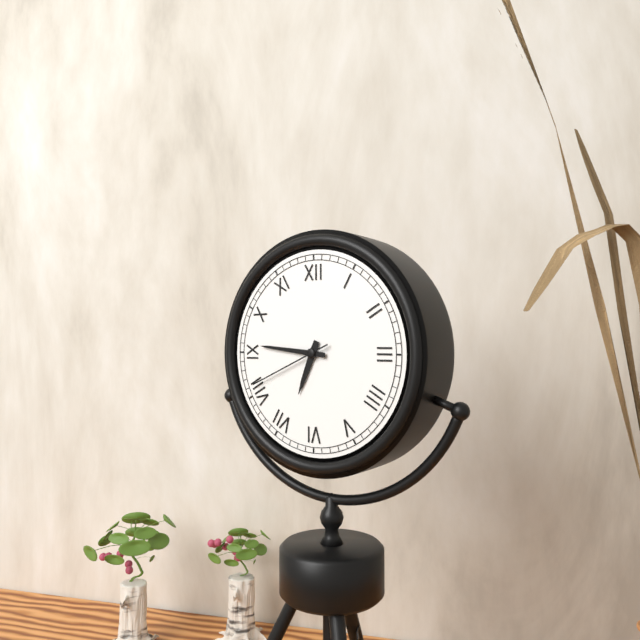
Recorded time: 6:46:41
